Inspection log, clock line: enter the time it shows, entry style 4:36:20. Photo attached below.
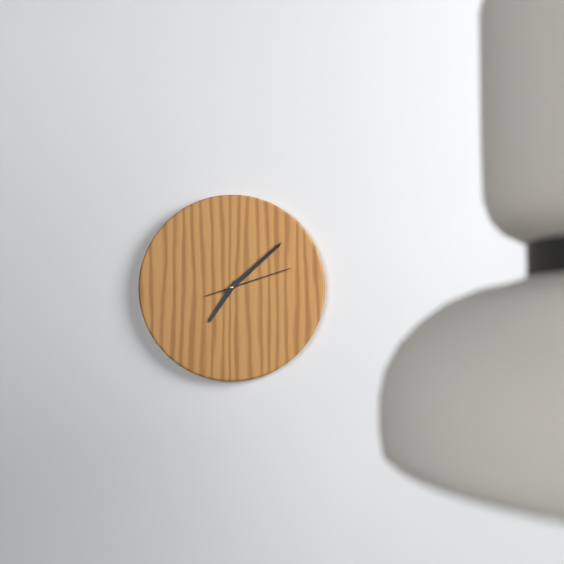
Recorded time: 7:08:12
